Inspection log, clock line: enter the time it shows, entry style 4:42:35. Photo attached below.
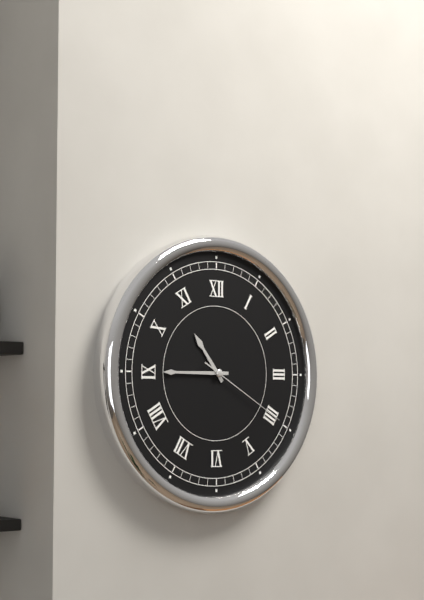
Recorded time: 10:45:20
